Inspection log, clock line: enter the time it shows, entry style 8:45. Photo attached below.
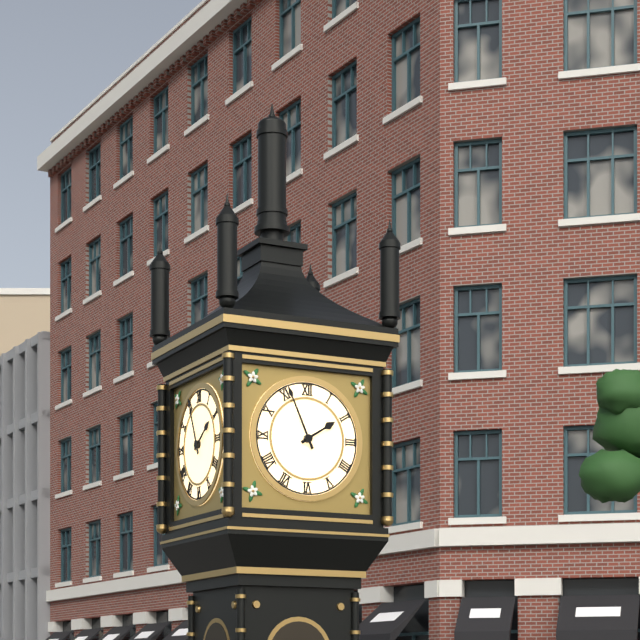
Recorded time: 1:56
